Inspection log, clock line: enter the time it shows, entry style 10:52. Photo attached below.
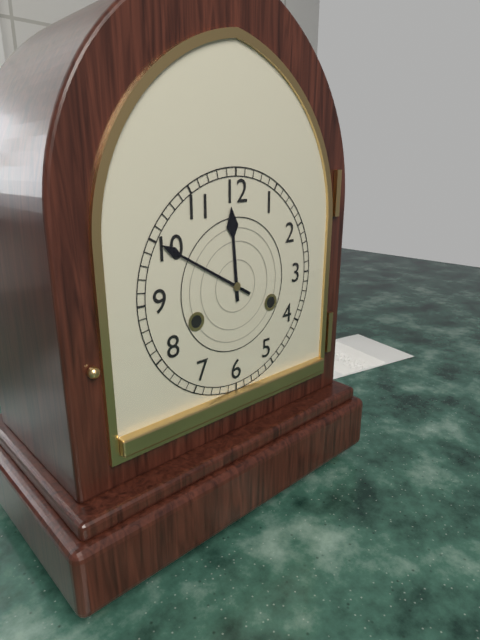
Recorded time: 11:50
